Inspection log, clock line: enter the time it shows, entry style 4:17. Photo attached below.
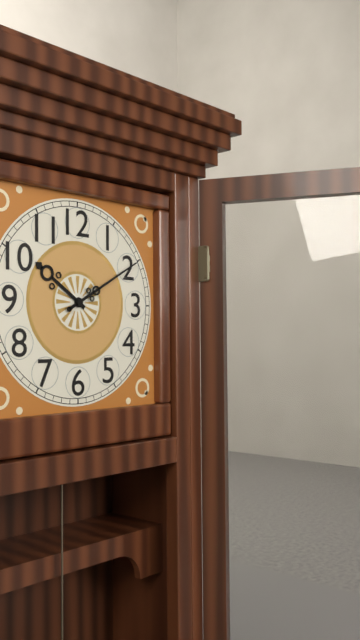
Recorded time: 10:10
